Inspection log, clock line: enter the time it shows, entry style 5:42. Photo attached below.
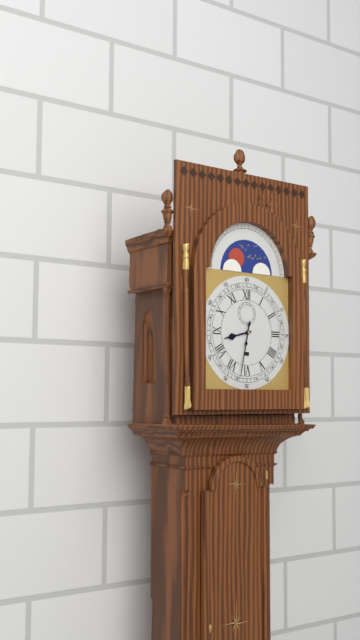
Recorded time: 8:32
